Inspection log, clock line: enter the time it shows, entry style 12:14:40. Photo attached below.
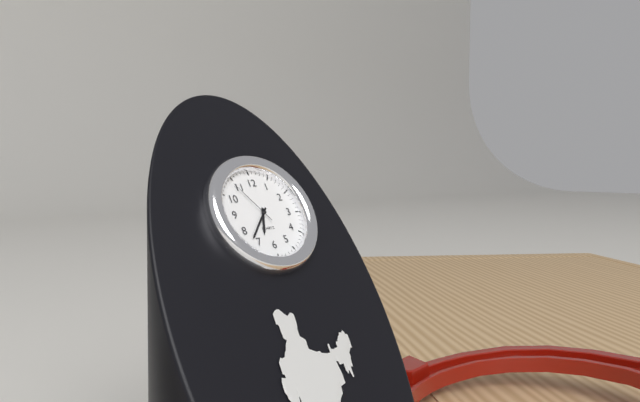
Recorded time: 6:37:54
